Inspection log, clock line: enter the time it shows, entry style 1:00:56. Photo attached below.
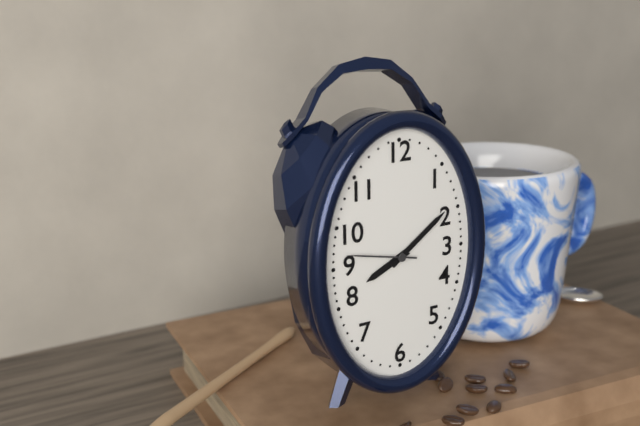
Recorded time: 8:09:47
